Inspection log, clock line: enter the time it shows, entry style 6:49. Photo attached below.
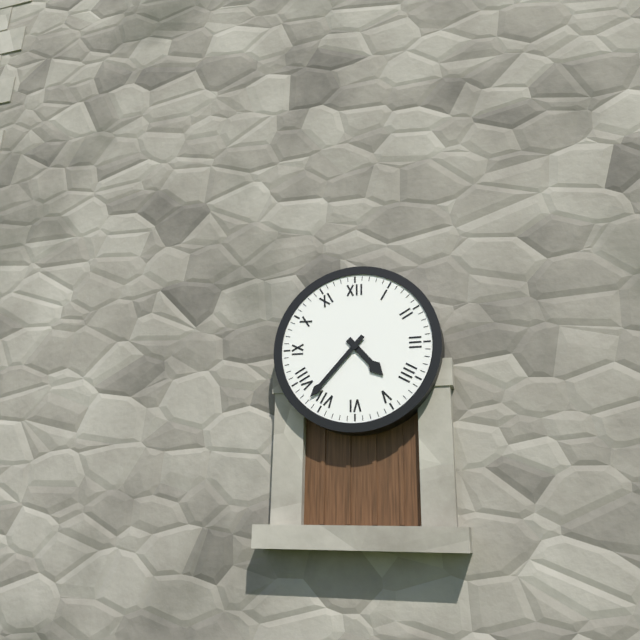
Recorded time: 4:37
